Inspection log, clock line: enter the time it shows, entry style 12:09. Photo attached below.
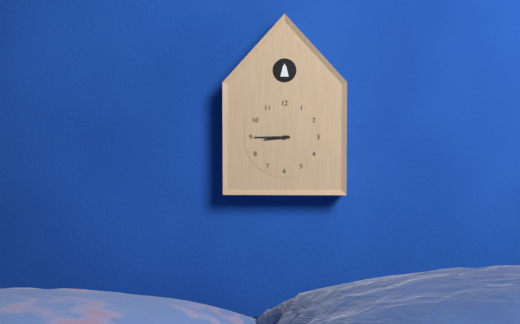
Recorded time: 8:45
